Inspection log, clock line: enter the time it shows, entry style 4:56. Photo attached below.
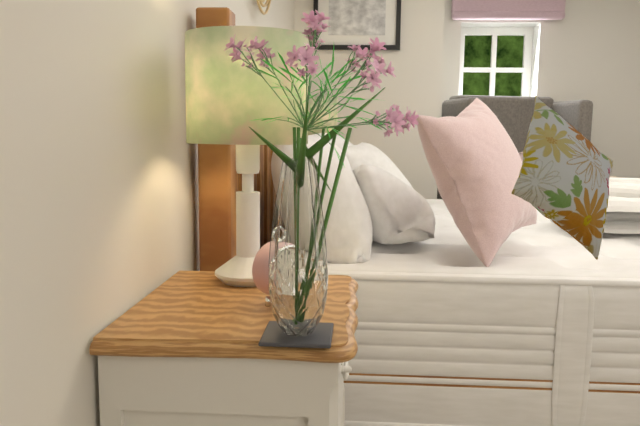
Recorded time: 6:08
